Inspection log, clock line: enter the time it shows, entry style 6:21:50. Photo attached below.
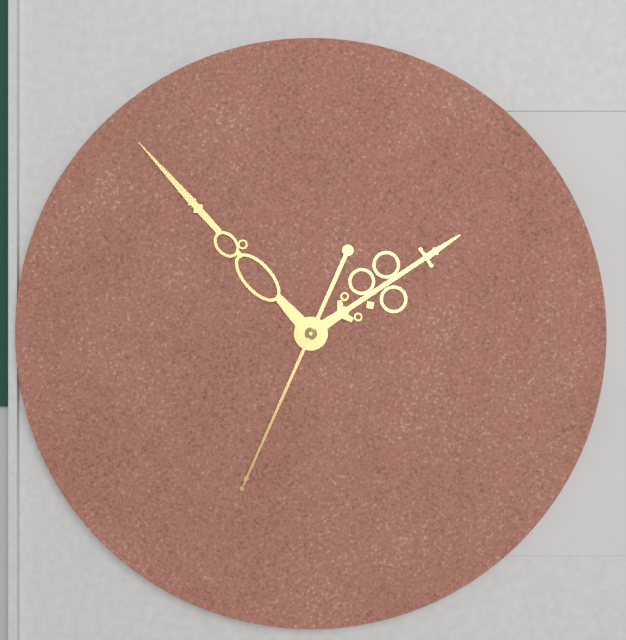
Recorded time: 1:53:34
